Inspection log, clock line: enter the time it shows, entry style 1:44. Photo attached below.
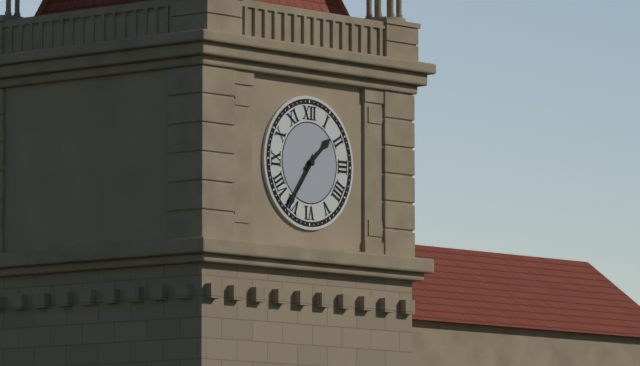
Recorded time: 1:36
